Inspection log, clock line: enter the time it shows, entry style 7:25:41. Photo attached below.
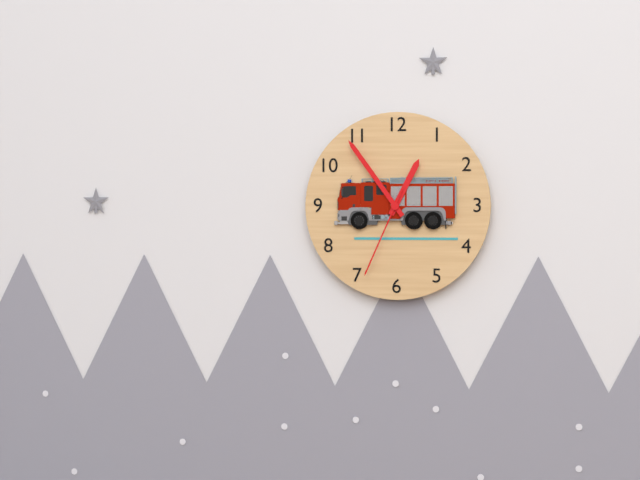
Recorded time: 12:54:34
